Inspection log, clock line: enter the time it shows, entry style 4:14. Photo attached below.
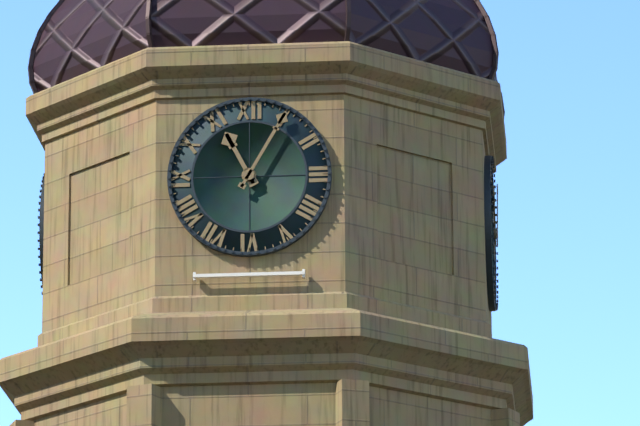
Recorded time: 11:05
